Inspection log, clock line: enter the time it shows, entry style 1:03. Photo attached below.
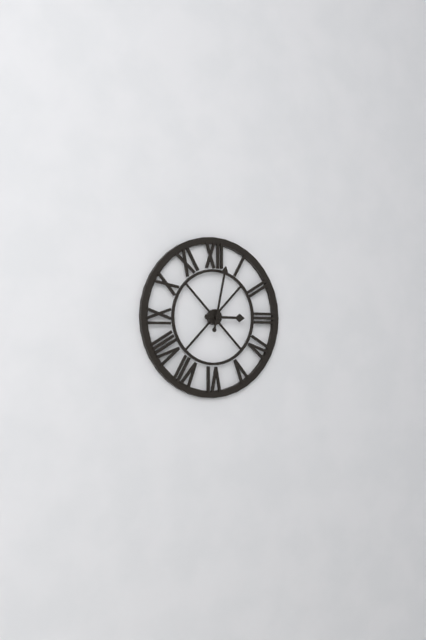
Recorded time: 3:02
